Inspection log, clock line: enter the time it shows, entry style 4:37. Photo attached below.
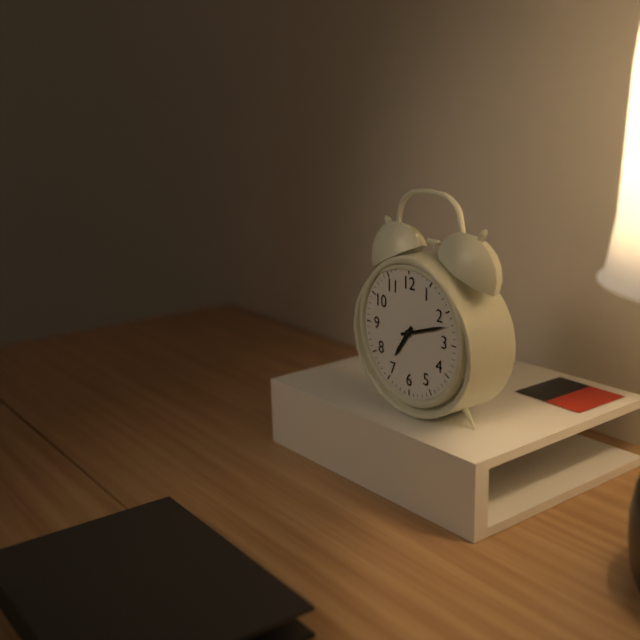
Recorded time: 7:12
